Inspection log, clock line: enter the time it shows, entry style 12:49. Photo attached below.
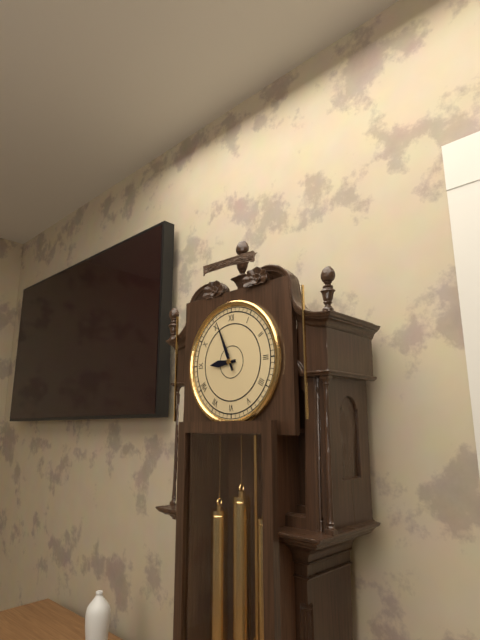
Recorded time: 8:56
